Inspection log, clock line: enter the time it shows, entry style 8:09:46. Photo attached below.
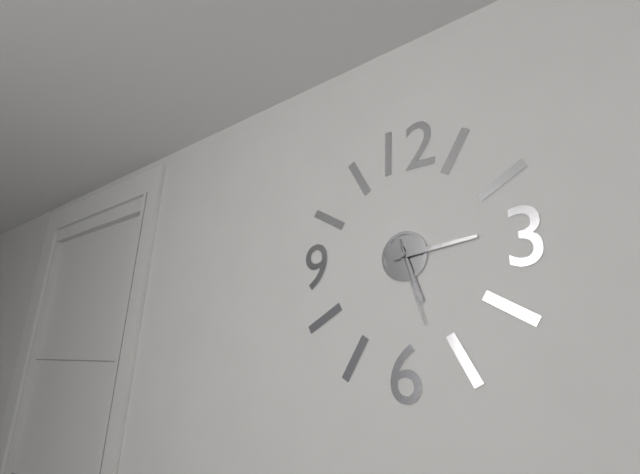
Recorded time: 5:14:27
